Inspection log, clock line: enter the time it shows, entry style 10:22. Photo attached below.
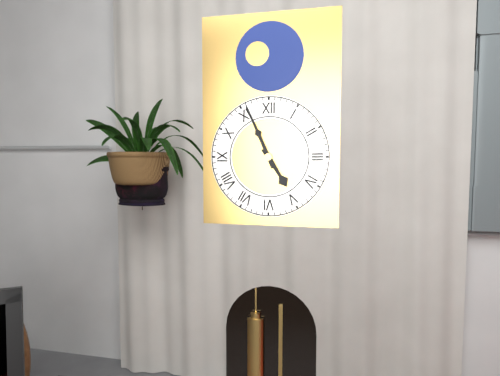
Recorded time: 4:56
